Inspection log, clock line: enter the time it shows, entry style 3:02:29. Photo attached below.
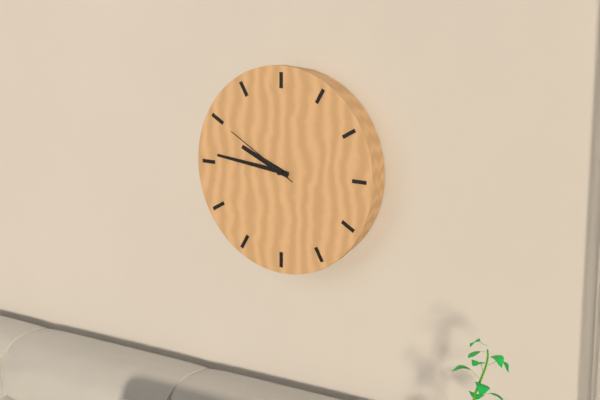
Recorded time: 9:46:50
